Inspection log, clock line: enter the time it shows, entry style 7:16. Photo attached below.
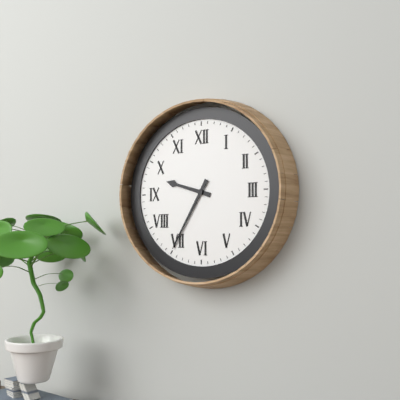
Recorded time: 9:35
